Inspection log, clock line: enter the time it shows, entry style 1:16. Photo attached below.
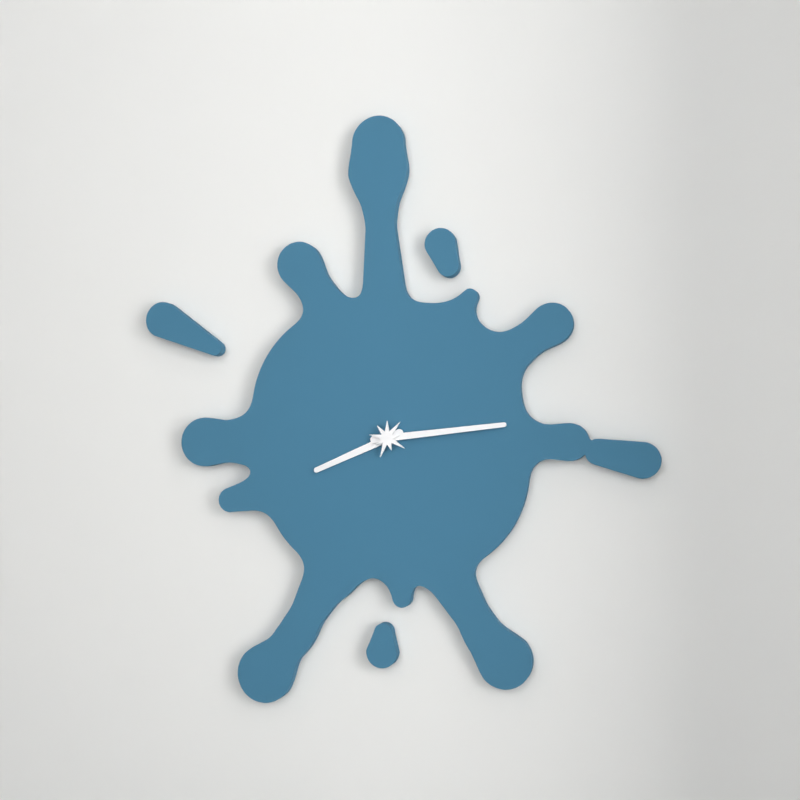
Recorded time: 8:14
